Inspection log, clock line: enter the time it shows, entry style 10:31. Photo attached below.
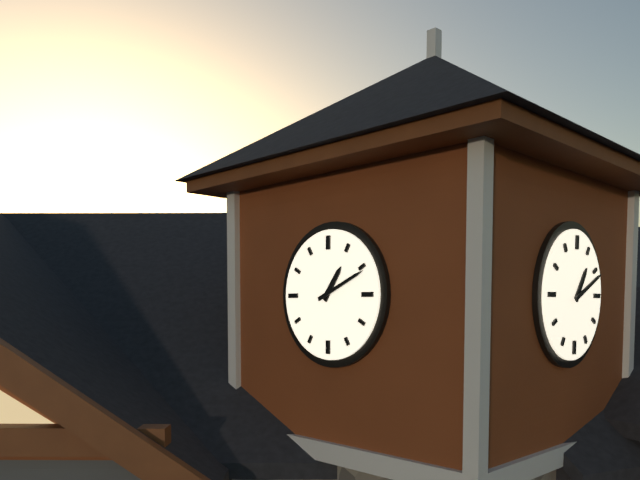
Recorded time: 1:11
